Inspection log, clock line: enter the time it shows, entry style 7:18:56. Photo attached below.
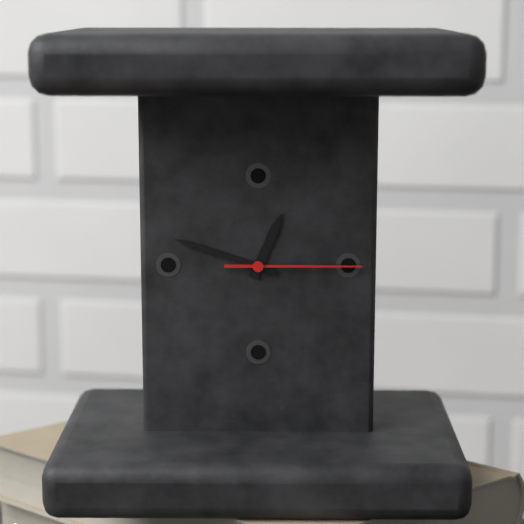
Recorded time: 12:48:15
